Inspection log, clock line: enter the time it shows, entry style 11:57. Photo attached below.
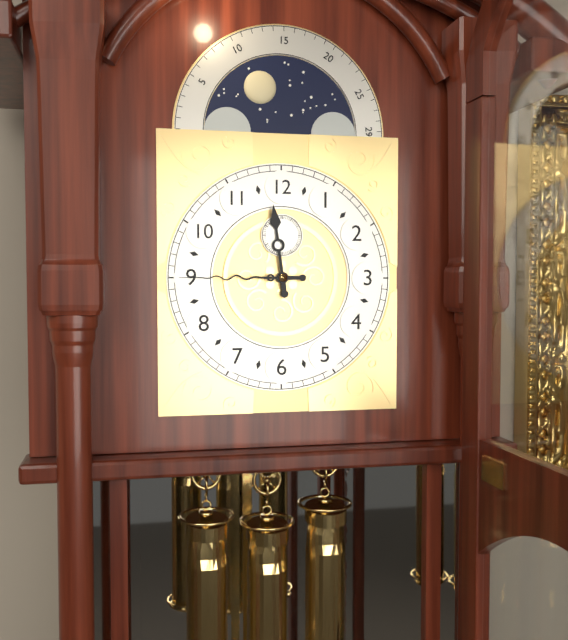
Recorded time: 11:45
